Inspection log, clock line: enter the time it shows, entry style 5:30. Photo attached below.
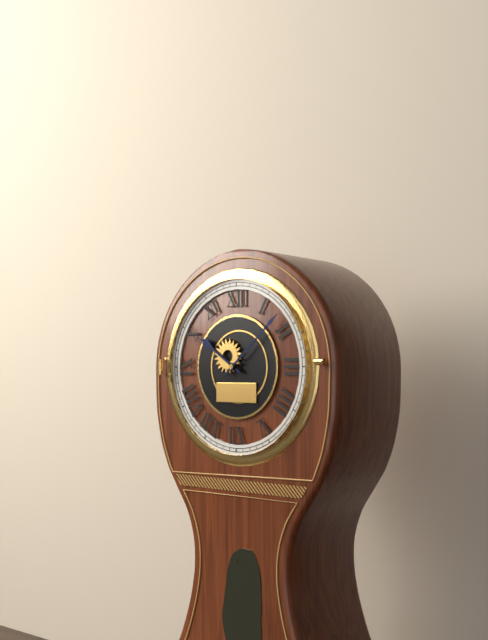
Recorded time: 10:08
